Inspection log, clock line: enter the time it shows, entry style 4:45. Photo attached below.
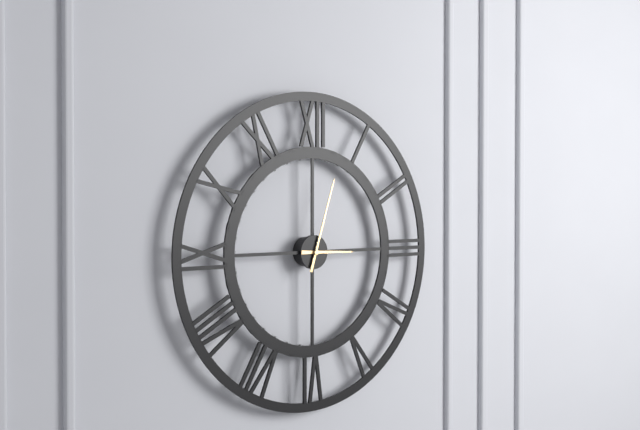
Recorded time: 3:03
